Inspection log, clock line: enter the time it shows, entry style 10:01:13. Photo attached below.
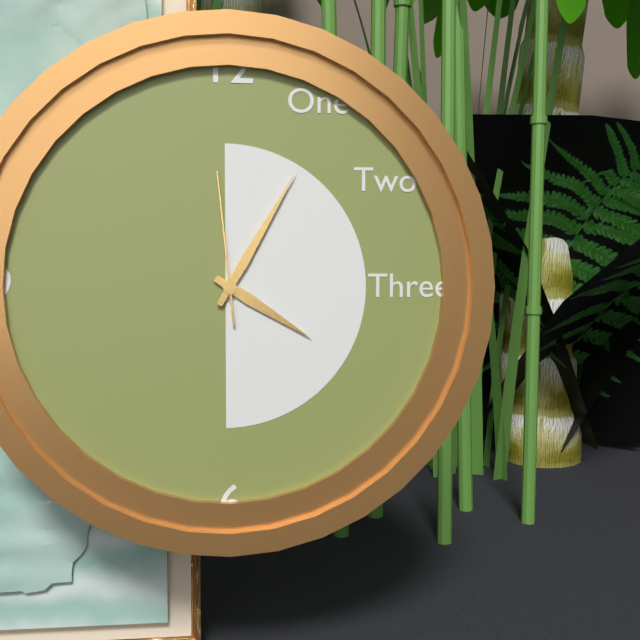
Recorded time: 4:05:59
